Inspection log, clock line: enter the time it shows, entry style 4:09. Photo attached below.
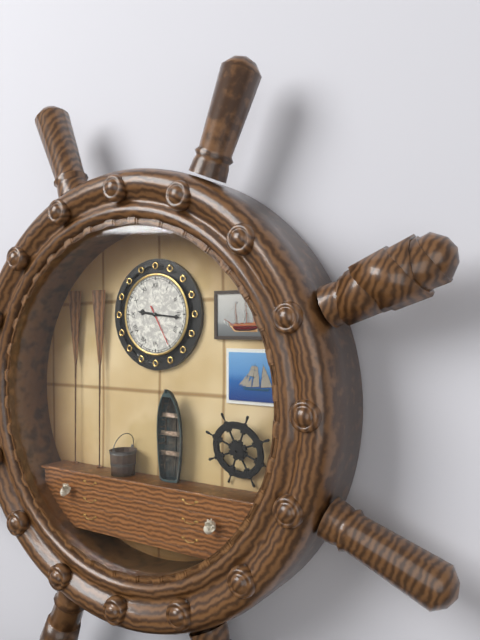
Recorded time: 9:16
